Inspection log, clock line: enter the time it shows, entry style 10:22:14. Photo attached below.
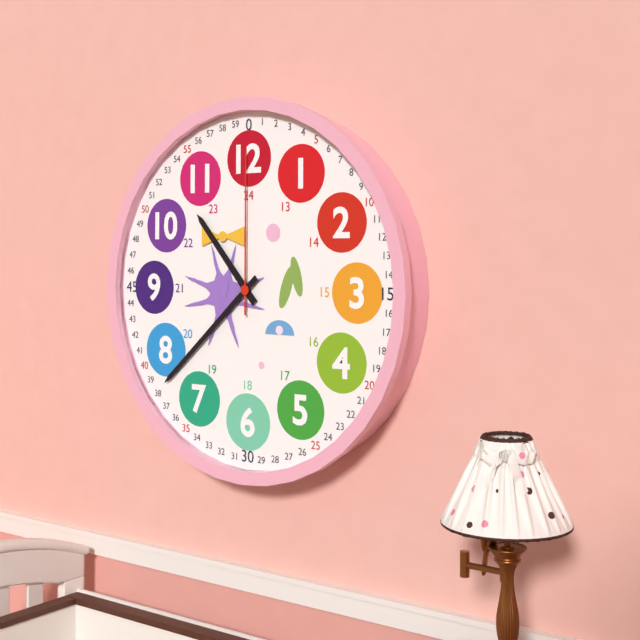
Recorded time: 10:38:00
